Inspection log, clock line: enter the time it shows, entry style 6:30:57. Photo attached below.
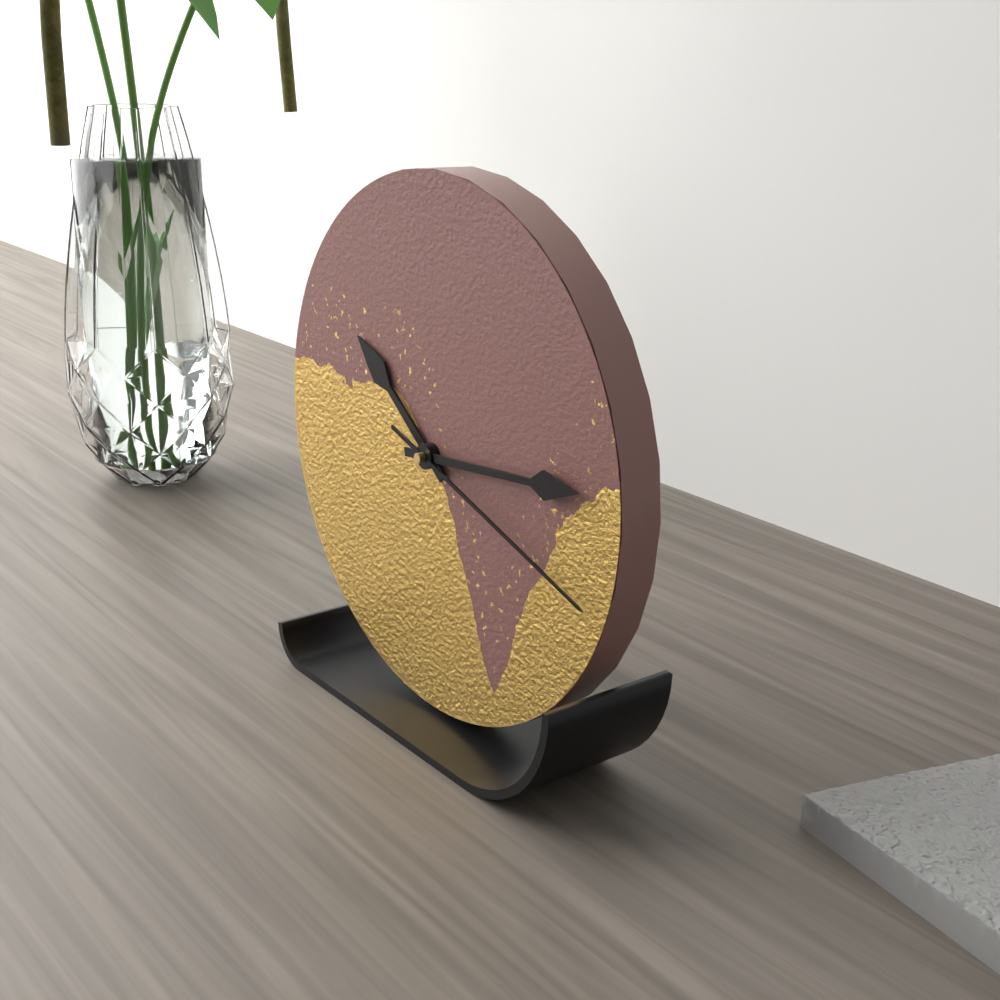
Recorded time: 10:14:18
